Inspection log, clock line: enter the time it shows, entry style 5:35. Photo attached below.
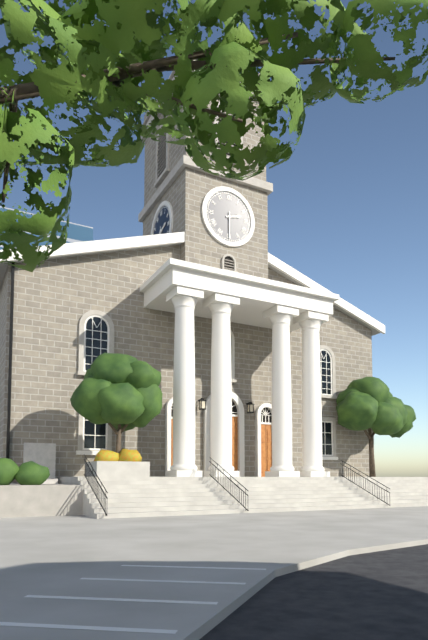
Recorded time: 2:30
